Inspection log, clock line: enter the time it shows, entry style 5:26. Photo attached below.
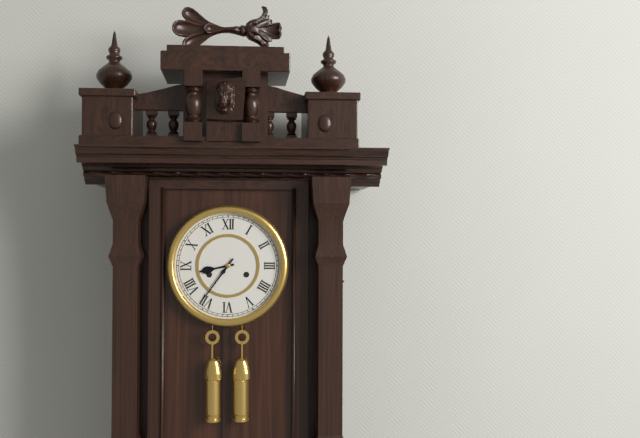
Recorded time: 8:36
